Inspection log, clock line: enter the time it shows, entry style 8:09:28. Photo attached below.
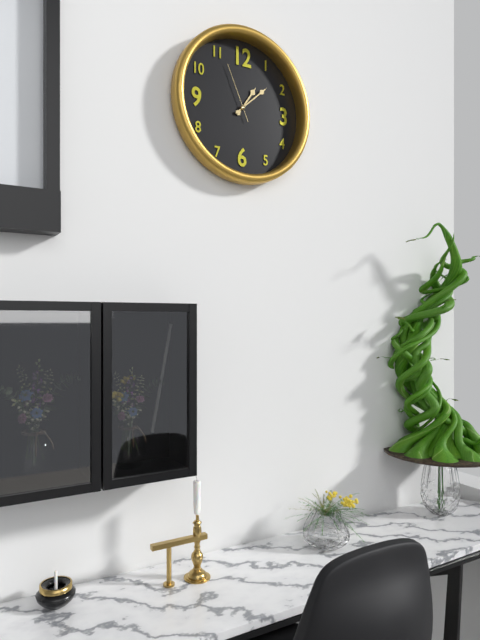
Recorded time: 1:08:56
